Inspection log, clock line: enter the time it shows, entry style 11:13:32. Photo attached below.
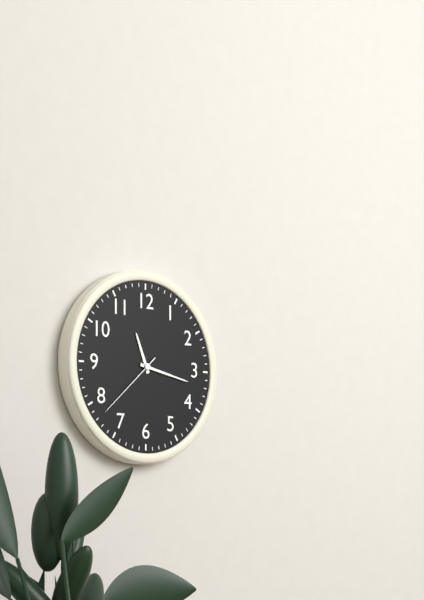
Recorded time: 11:17:38
